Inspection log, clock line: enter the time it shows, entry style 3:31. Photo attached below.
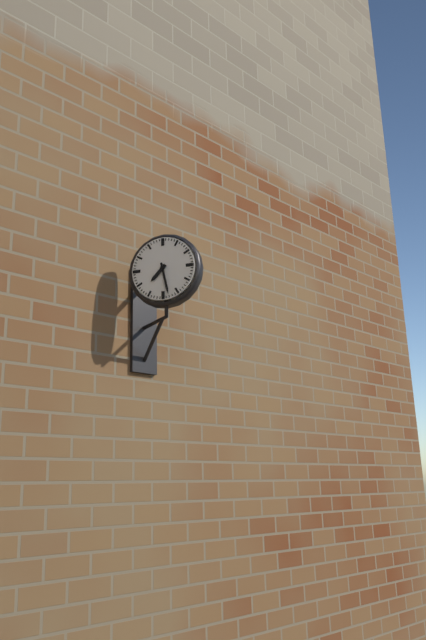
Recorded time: 7:28
